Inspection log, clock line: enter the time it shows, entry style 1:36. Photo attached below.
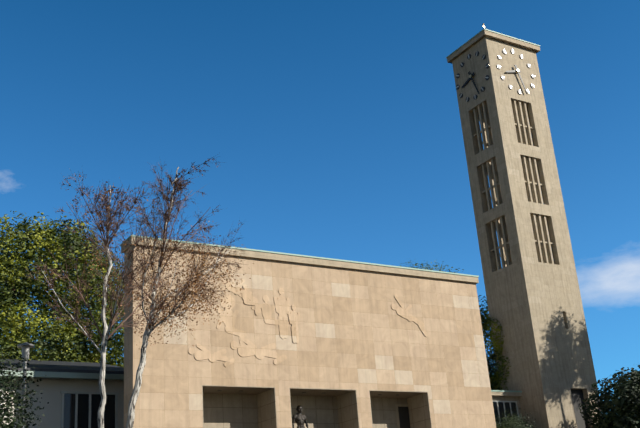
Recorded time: 8:27
